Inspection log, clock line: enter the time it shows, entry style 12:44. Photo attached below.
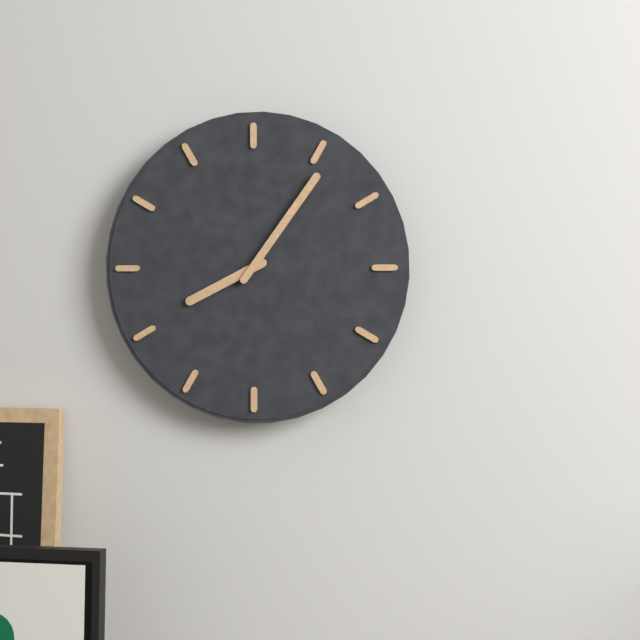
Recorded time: 8:06
